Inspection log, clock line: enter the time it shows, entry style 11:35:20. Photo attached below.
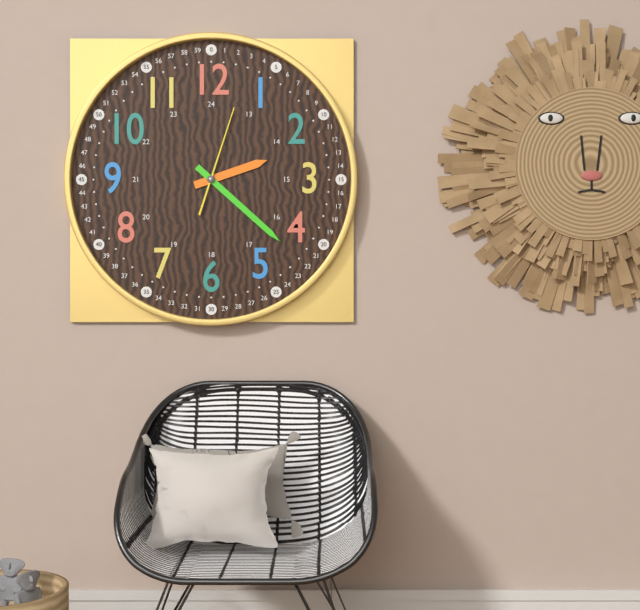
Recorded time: 2:22:03
